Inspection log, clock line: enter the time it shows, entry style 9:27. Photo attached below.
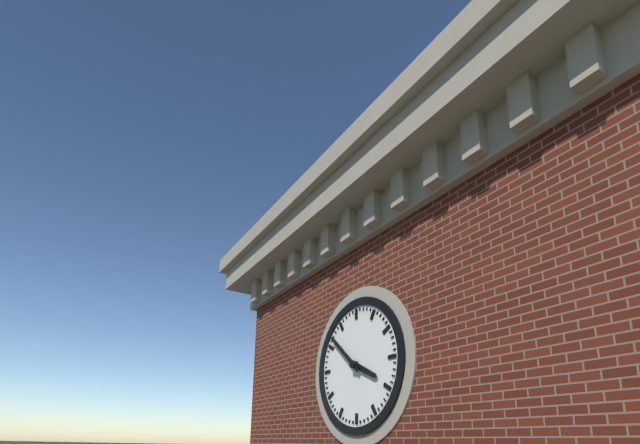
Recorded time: 3:52
